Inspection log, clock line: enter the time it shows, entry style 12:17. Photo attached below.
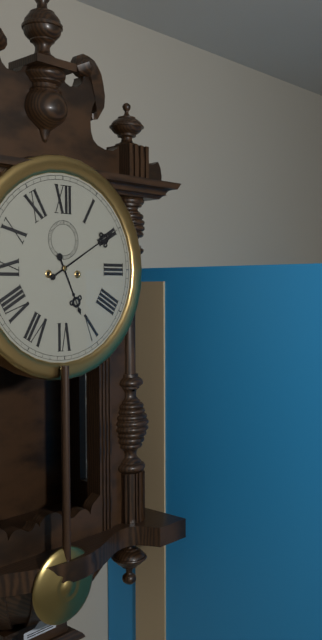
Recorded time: 5:10
